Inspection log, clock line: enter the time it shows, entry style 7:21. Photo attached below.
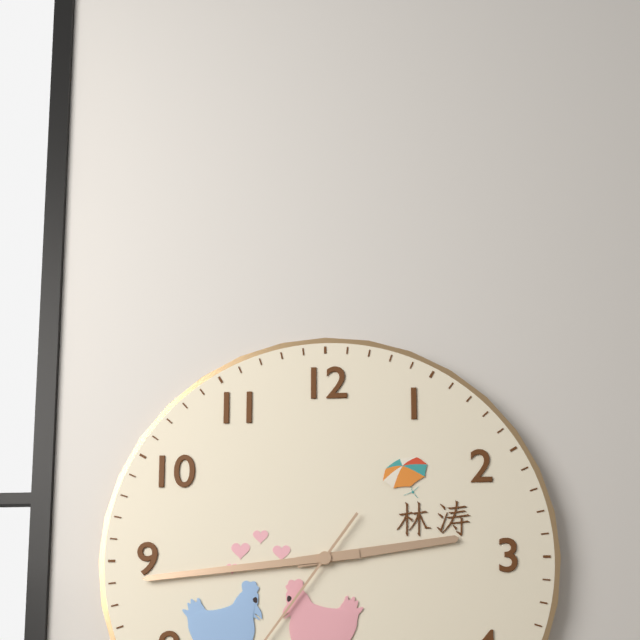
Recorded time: 2:44
